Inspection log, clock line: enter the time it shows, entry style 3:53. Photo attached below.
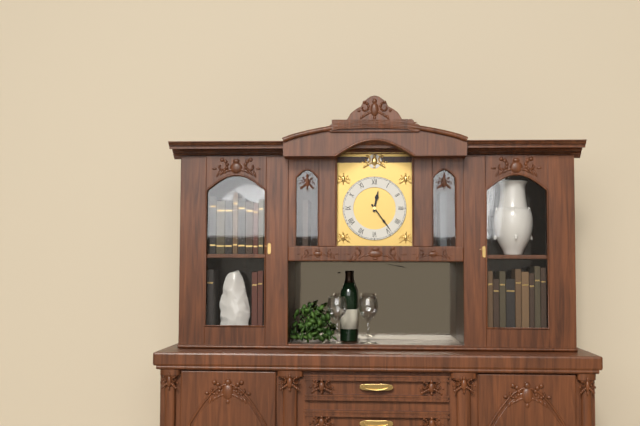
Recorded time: 12:24
